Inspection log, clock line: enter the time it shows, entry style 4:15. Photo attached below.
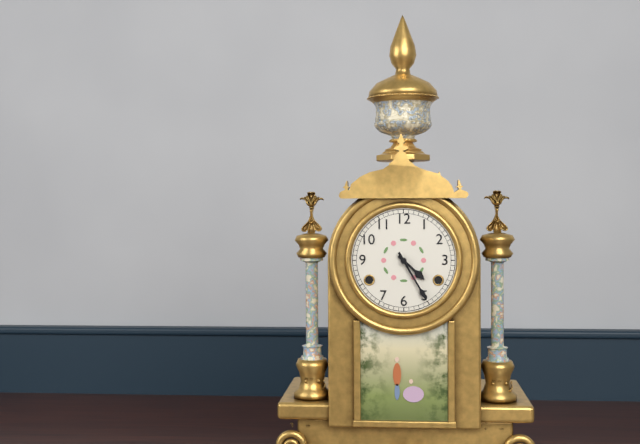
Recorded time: 4:25
